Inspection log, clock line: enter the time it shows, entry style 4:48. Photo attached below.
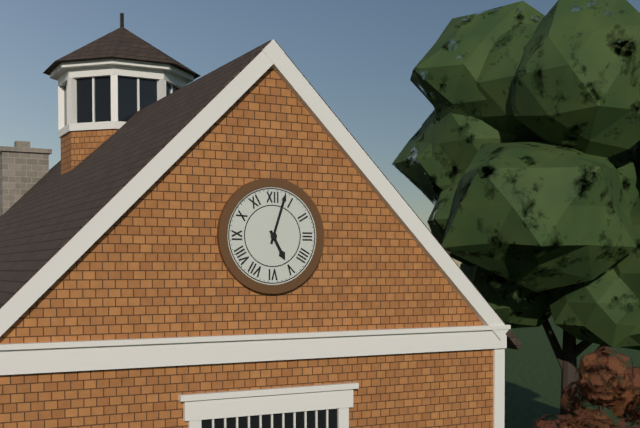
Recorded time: 5:03
